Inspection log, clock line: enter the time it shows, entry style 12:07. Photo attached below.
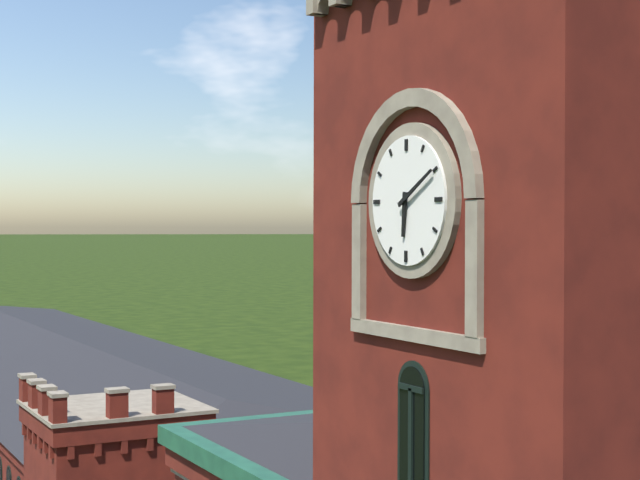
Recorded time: 6:10
